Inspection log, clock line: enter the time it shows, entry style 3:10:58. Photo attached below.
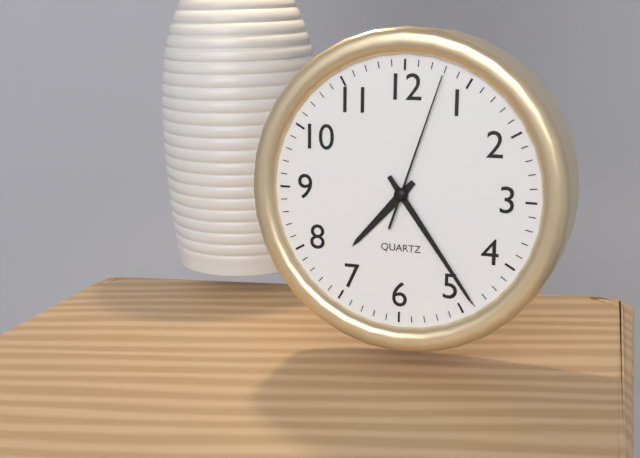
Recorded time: 7:24:03
